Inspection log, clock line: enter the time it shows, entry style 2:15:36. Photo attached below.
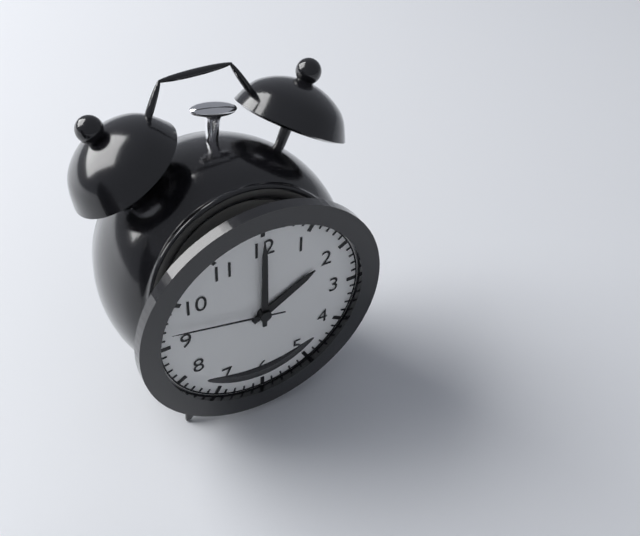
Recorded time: 2:00:47
